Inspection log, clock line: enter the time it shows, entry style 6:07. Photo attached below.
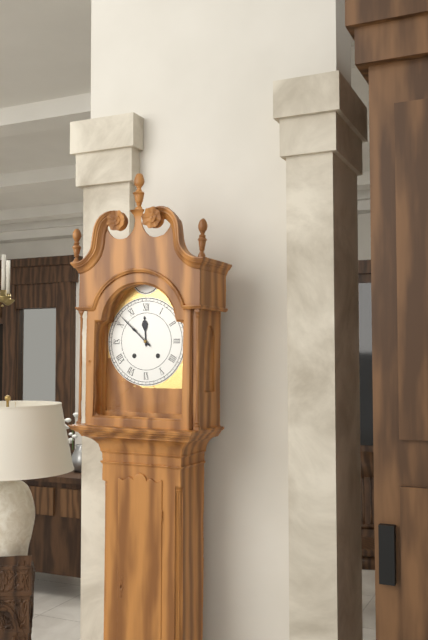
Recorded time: 11:52
